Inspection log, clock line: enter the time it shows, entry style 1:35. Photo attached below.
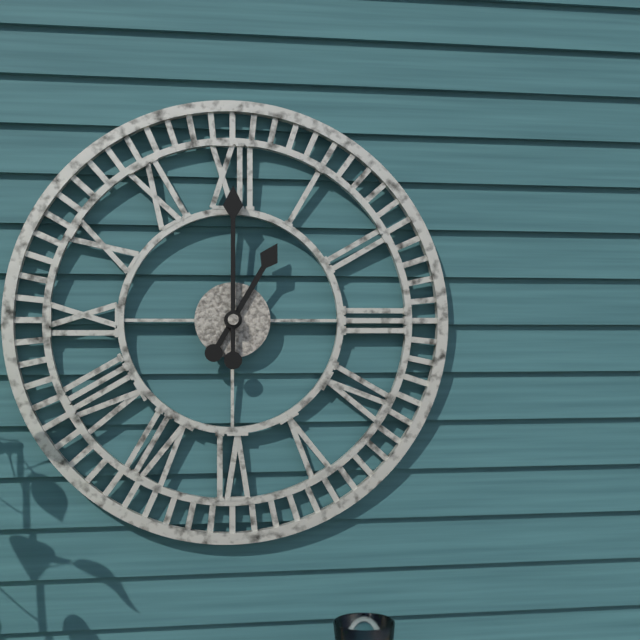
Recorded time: 1:00
